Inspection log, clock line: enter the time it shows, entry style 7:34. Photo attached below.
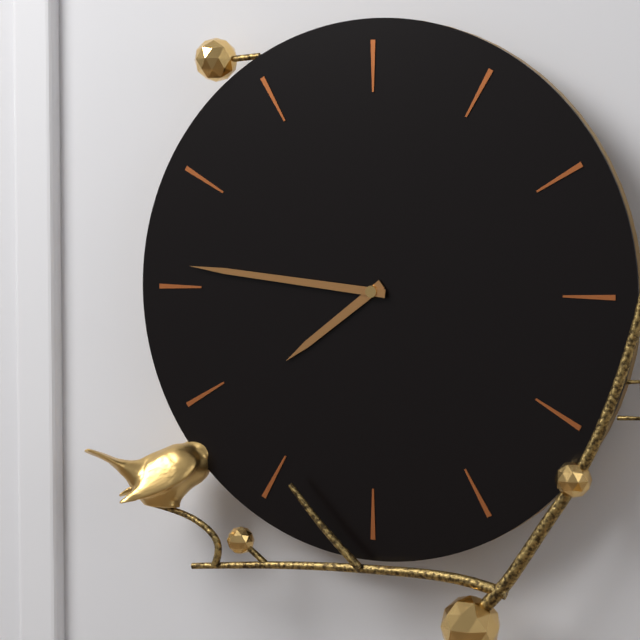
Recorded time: 7:46
